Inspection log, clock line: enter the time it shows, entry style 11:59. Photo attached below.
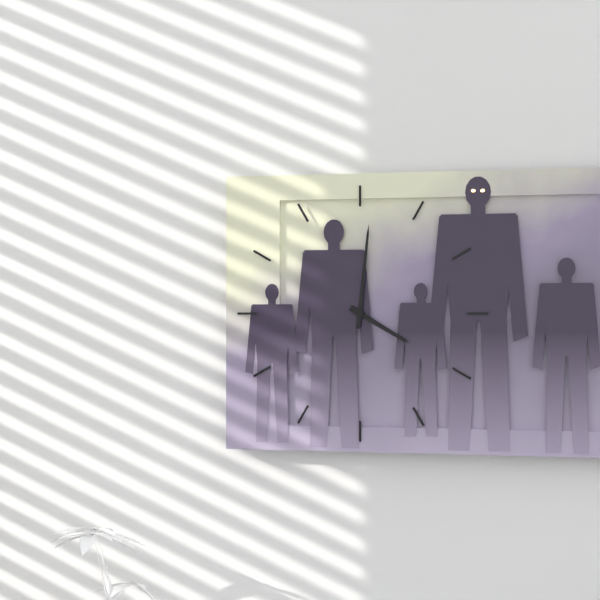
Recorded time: 4:01
